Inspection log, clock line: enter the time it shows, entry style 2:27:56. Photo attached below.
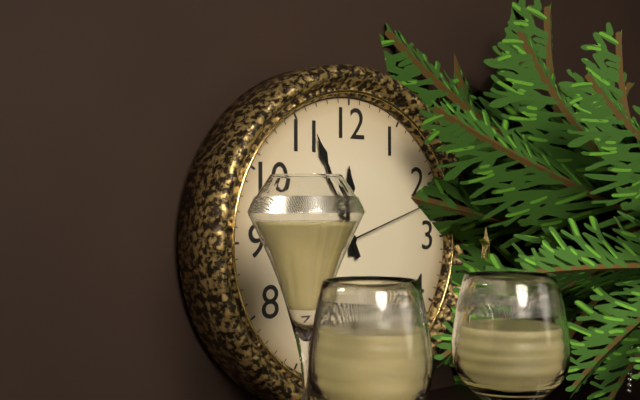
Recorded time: 11:56:12
